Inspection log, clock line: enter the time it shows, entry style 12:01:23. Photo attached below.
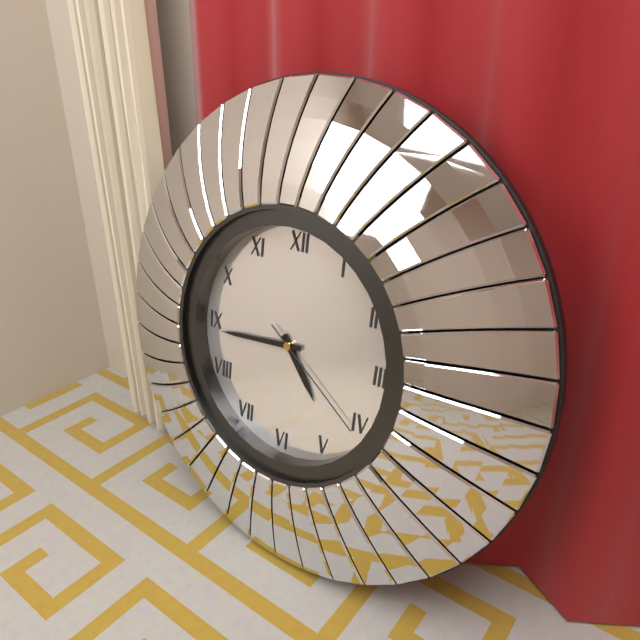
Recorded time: 4:44:21
